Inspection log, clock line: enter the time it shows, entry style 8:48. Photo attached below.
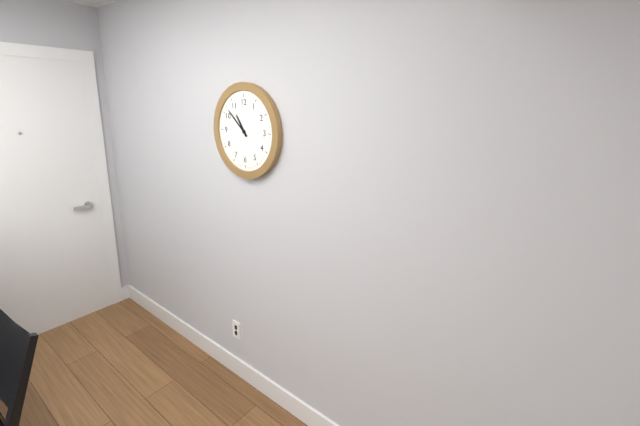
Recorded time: 10:52
